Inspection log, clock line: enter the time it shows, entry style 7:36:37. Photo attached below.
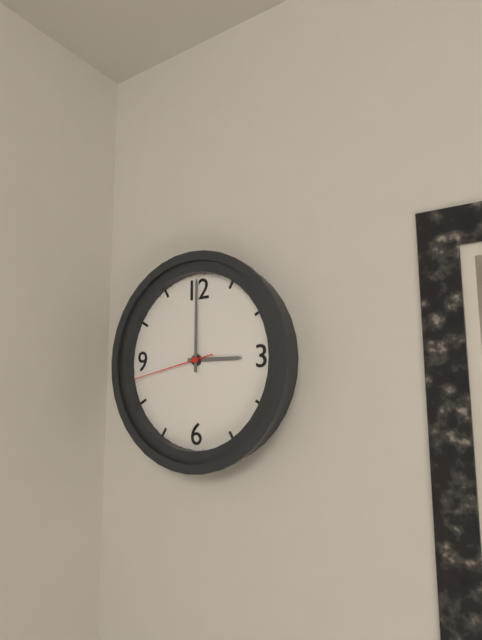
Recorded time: 3:00:43
